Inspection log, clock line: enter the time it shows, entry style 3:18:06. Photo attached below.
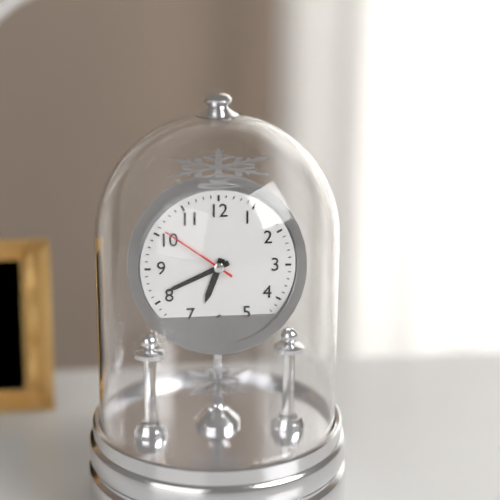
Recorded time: 6:41:51
